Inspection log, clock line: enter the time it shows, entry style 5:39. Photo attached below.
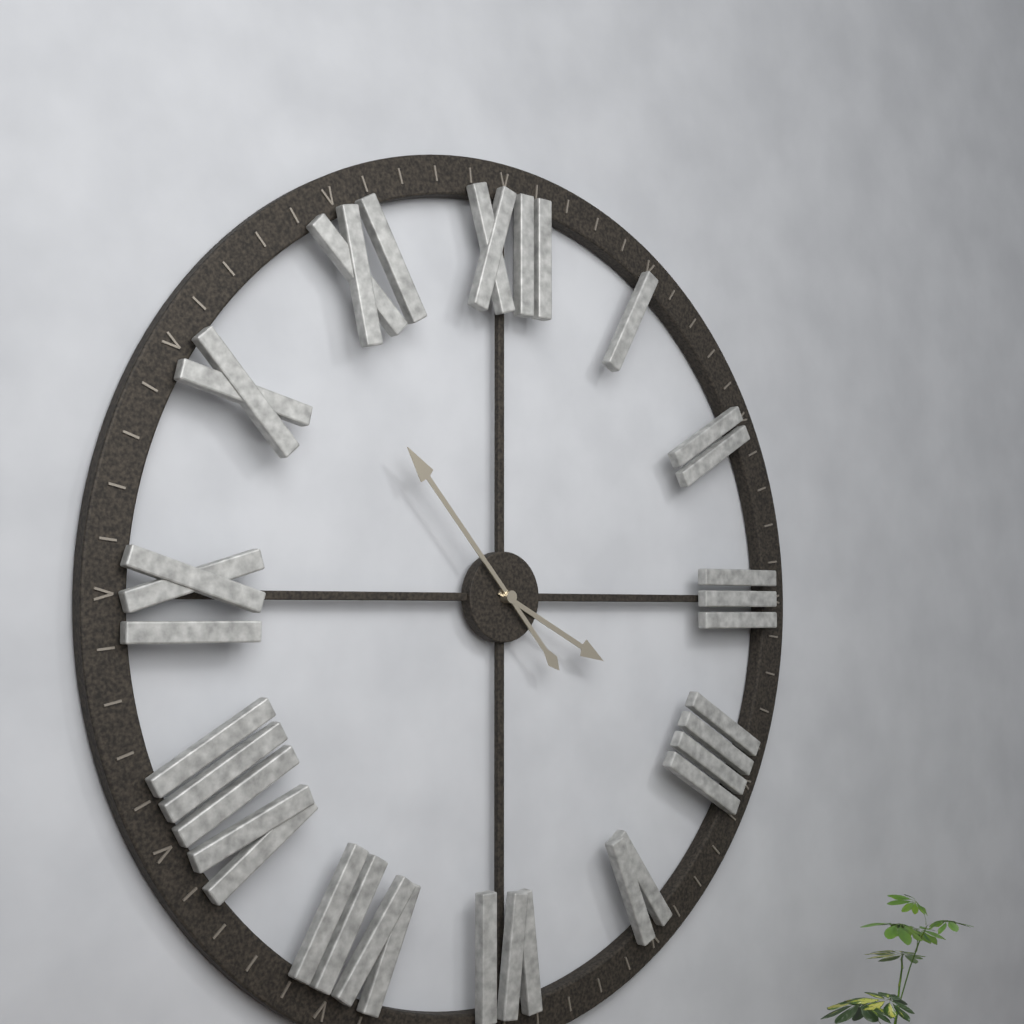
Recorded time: 3:53
